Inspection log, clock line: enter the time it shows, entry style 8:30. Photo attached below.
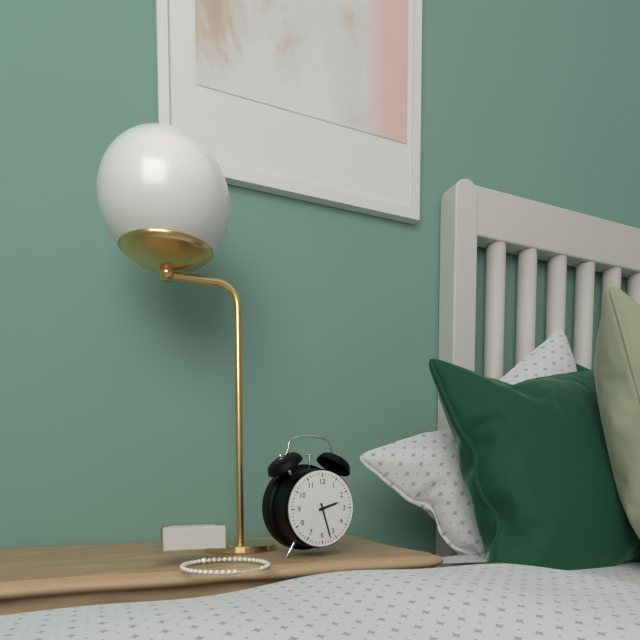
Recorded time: 2:27
